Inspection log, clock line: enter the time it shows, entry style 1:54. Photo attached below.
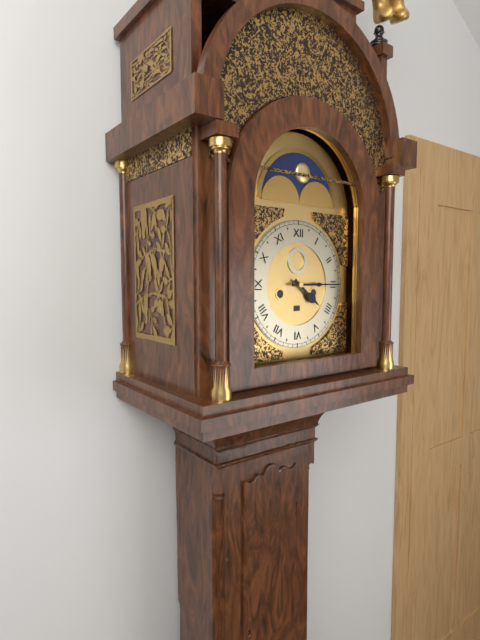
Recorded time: 4:15
